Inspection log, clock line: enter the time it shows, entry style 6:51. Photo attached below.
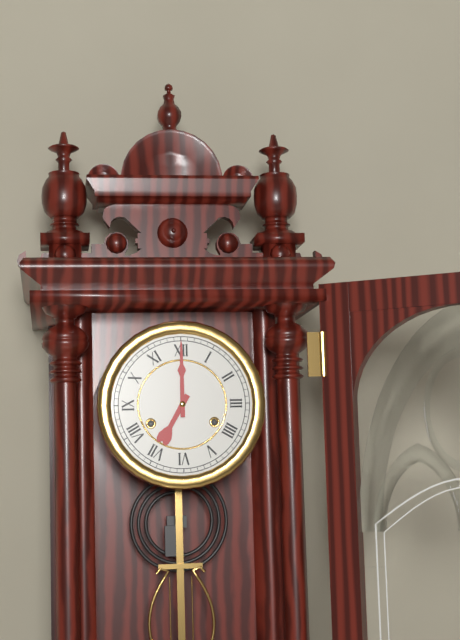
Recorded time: 7:00
